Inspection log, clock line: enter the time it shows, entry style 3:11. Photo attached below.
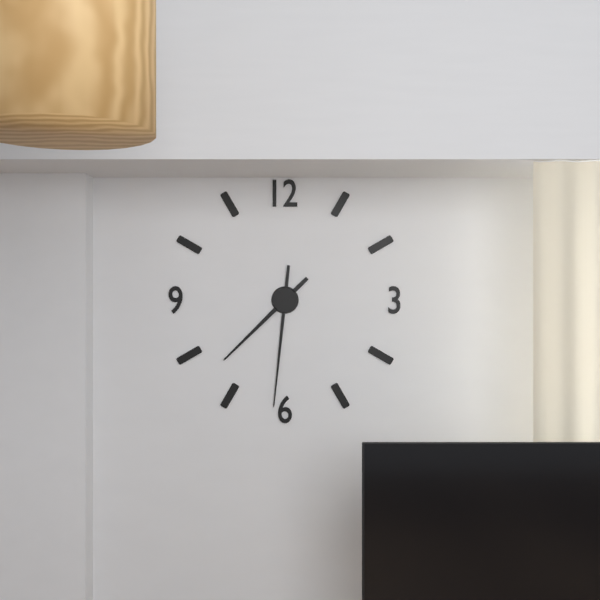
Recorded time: 7:31
